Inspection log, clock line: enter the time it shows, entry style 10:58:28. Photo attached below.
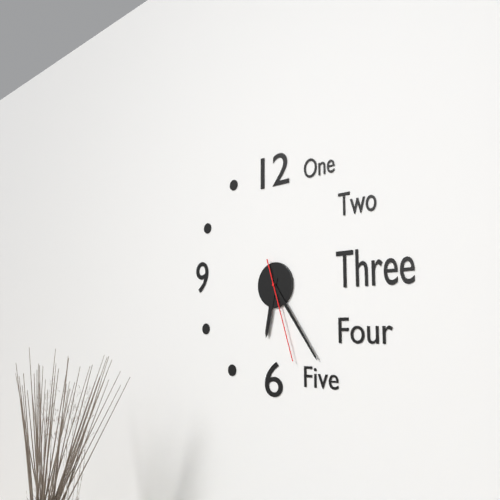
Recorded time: 6:24:27
